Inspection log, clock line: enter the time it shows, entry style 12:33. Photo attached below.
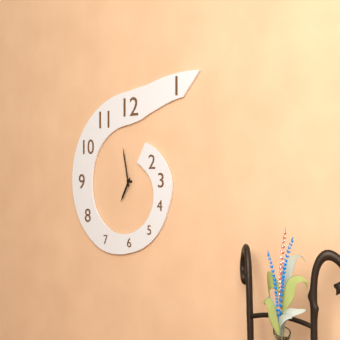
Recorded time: 6:58
